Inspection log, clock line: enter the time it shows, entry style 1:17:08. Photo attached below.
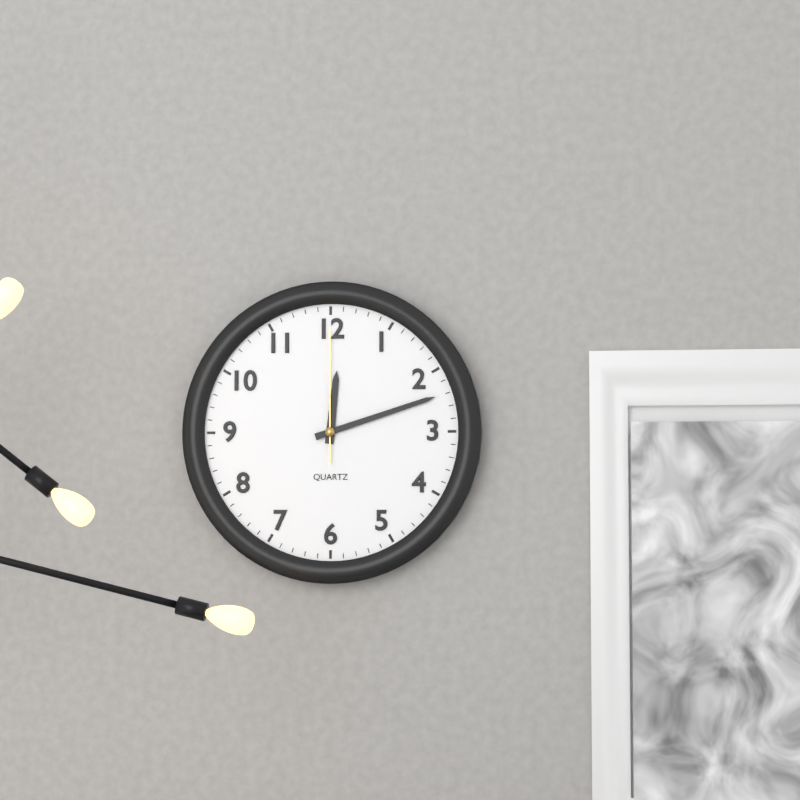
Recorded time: 12:12:00
